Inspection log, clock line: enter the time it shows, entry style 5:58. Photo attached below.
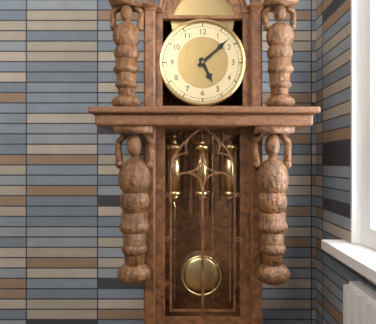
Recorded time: 5:08
